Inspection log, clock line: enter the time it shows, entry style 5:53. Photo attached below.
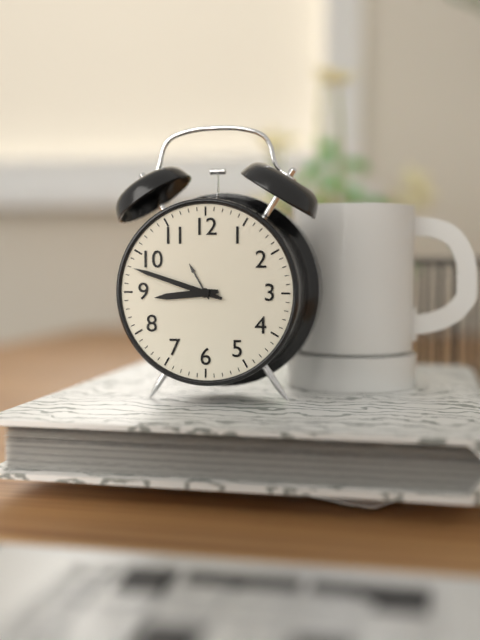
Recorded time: 8:48
